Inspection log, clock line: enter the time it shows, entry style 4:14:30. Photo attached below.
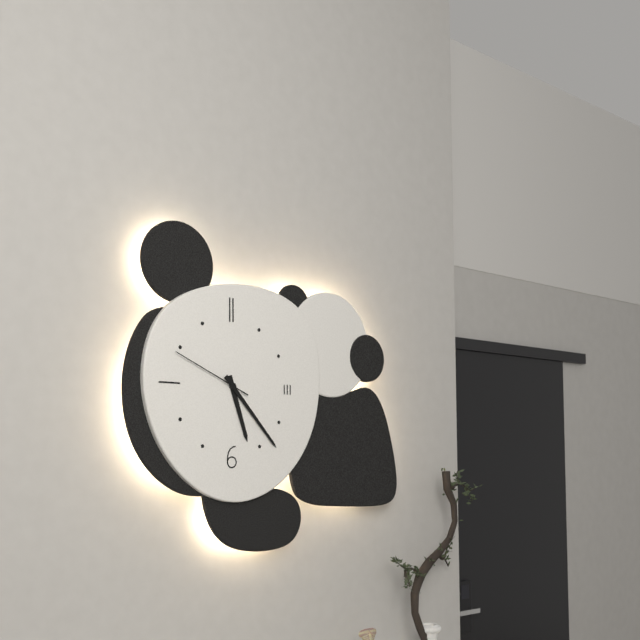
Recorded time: 5:23:49
